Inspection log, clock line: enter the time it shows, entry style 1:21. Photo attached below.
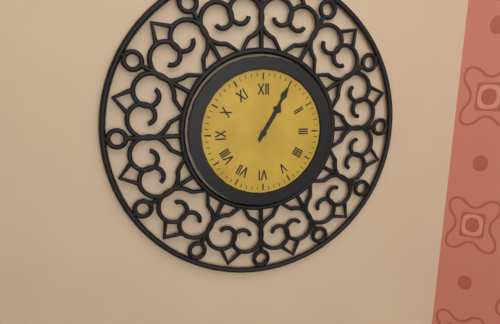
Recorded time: 1:05
